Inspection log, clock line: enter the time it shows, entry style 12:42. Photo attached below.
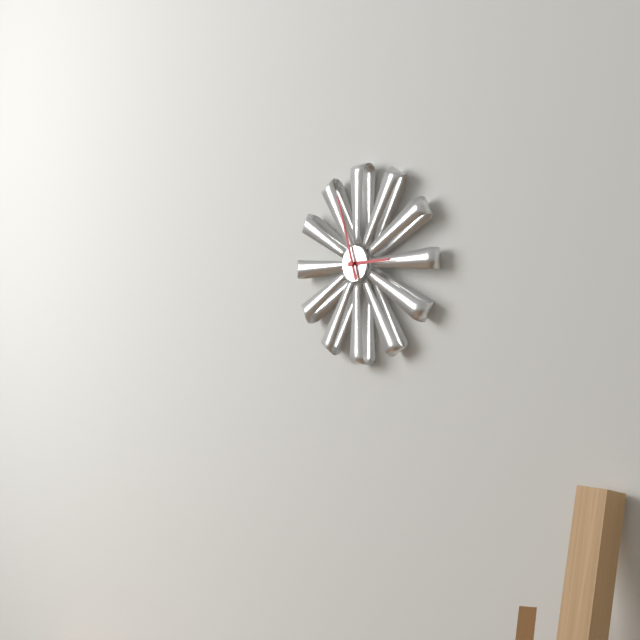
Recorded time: 2:57
